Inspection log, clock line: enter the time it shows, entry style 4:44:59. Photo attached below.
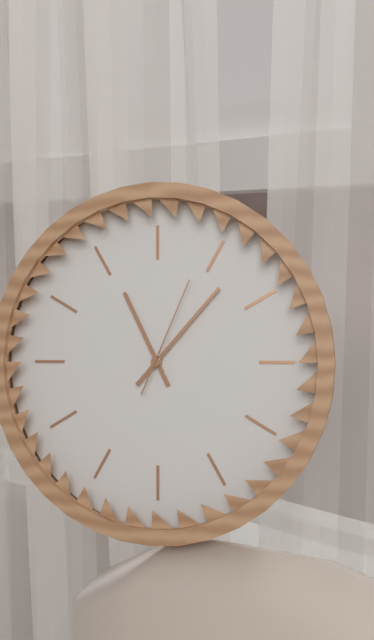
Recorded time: 11:07:04
